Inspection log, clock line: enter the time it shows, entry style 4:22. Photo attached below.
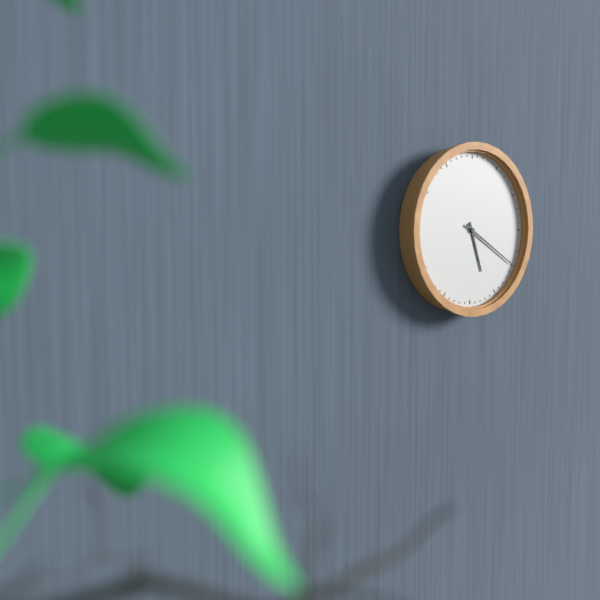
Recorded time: 5:20
